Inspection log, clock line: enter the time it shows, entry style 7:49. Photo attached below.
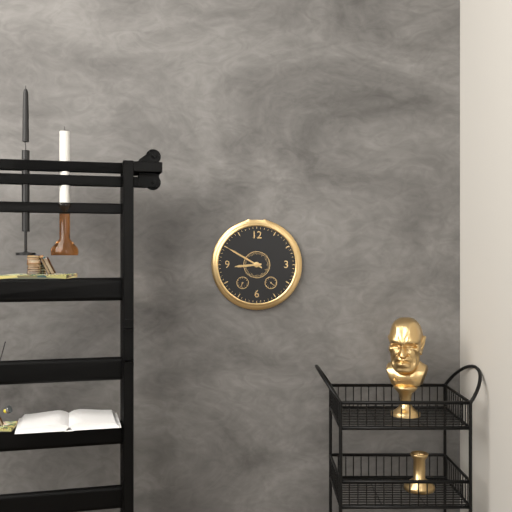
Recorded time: 8:50
